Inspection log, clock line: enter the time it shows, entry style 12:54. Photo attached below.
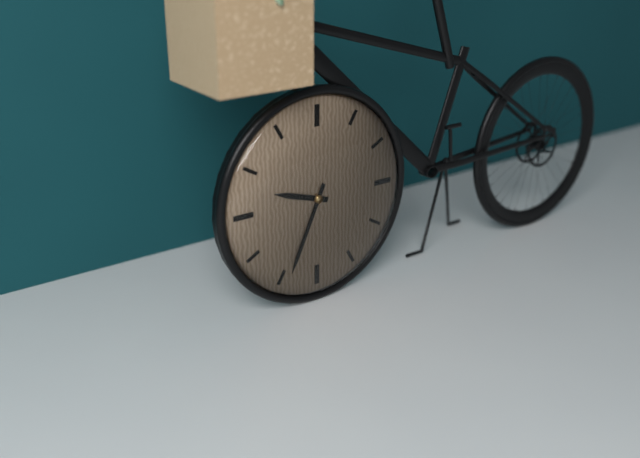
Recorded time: 9:34
